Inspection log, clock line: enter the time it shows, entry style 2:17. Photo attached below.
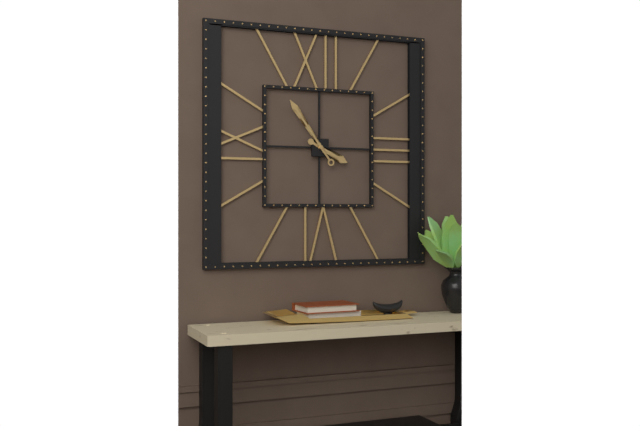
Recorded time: 3:54
